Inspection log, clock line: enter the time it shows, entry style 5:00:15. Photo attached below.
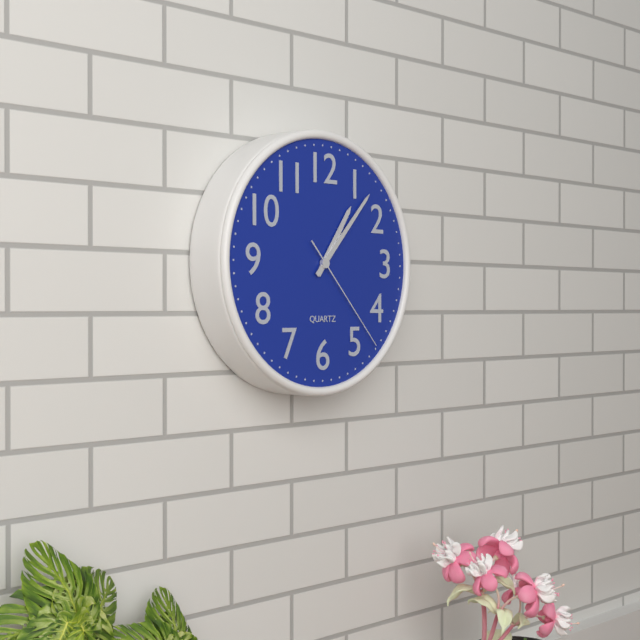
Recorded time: 1:07:23
